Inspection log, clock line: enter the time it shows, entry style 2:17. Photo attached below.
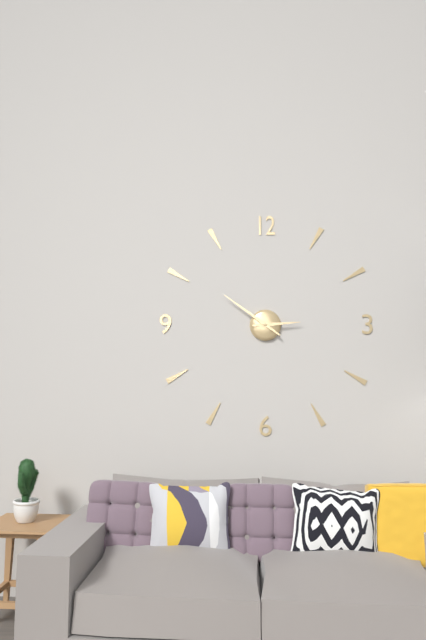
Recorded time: 2:51
